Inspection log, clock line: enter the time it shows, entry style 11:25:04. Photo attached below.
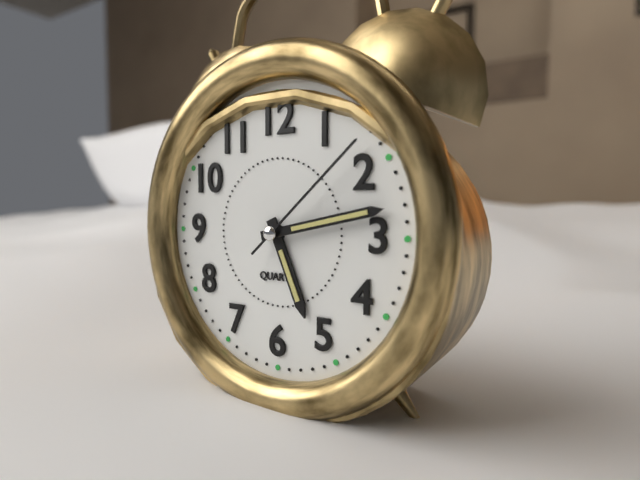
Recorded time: 5:13:08
